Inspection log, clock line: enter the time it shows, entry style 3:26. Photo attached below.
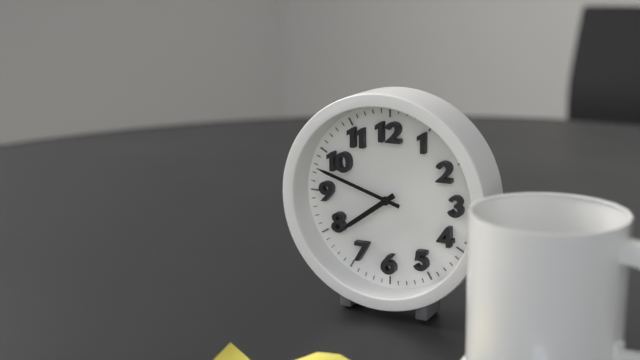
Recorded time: 7:48
